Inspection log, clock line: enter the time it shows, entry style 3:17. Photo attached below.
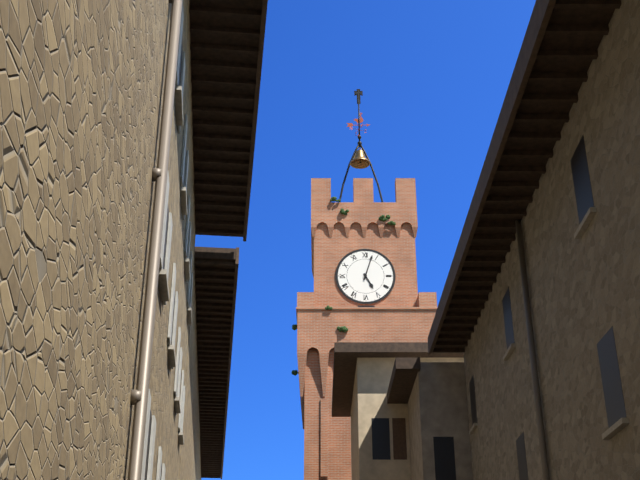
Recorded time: 5:03
